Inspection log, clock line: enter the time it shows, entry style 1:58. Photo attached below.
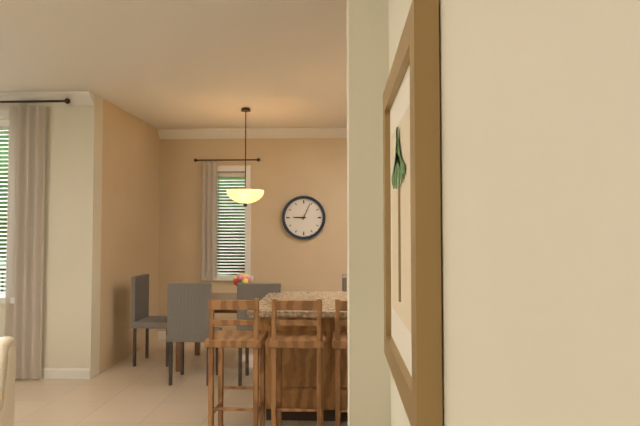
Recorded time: 9:04
